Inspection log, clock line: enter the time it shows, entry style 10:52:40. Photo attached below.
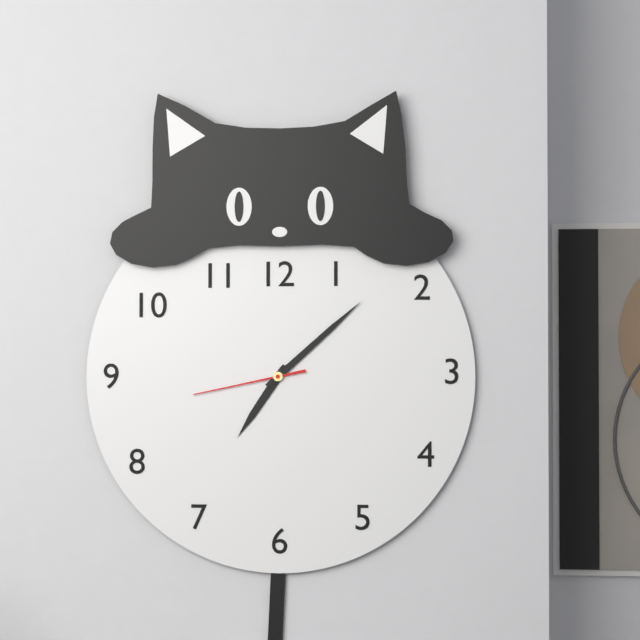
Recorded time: 7:08:43
